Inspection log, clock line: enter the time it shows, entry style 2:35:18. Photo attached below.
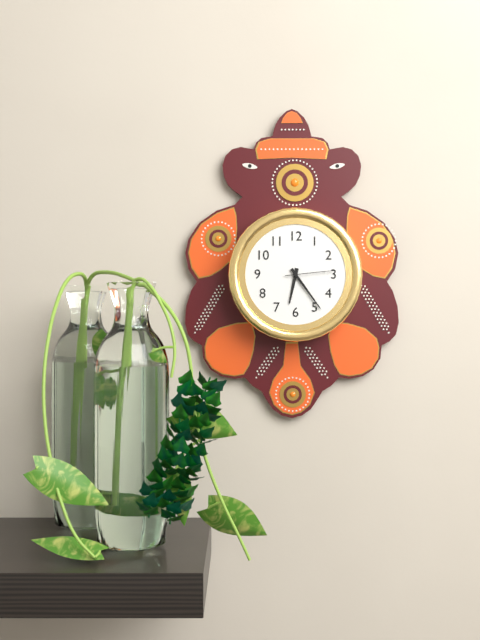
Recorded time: 6:24:14
